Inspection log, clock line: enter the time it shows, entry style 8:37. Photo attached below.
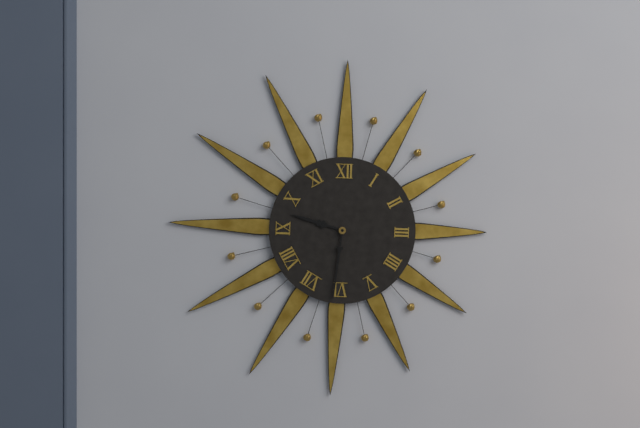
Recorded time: 9:31
